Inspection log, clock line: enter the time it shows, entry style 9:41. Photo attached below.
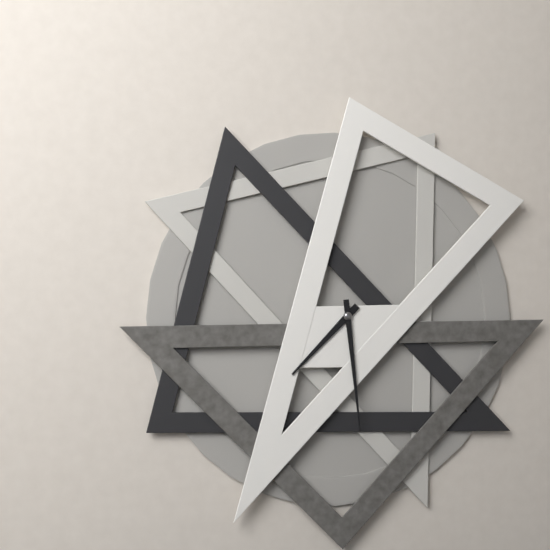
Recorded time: 7:29
